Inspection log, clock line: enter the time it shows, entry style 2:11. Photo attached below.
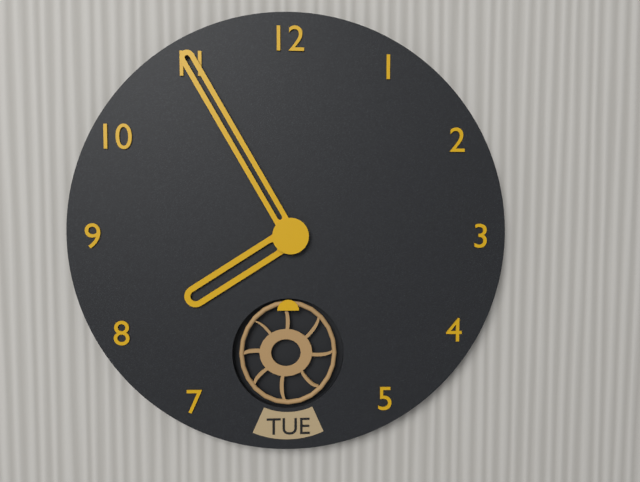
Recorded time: 7:55
